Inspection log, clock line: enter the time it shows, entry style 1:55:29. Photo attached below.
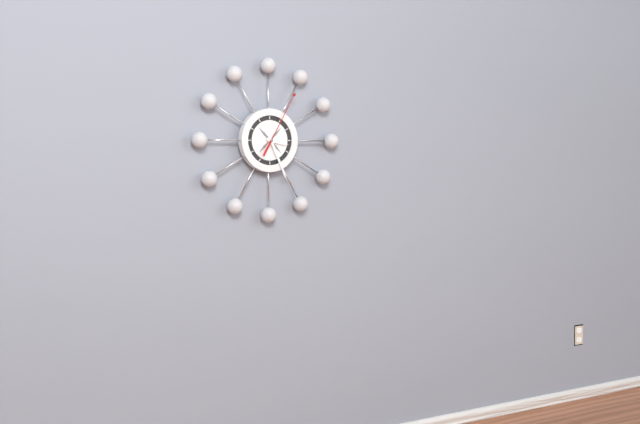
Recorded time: 3:26:05
